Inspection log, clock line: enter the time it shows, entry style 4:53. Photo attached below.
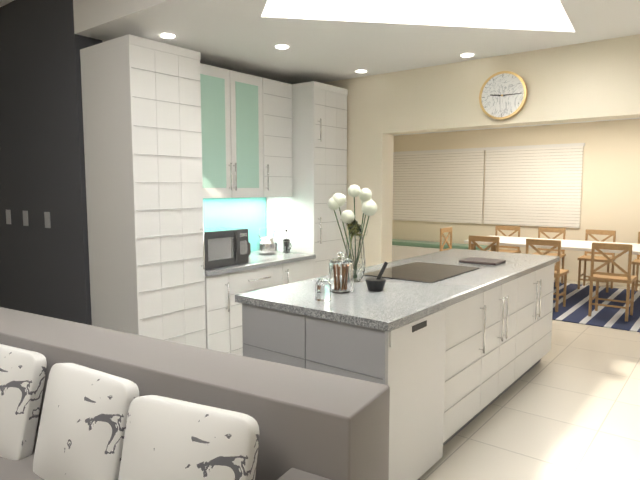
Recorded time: 9:15
